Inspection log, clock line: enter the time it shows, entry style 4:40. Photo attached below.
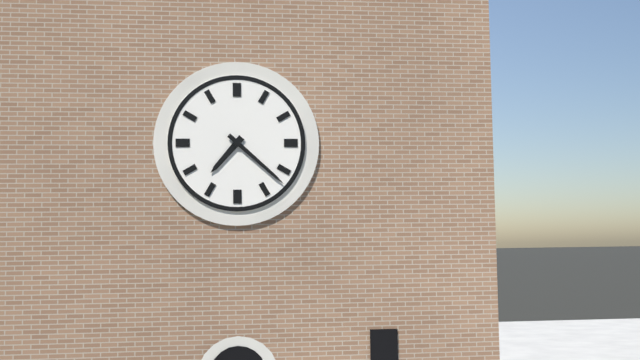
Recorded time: 7:22
